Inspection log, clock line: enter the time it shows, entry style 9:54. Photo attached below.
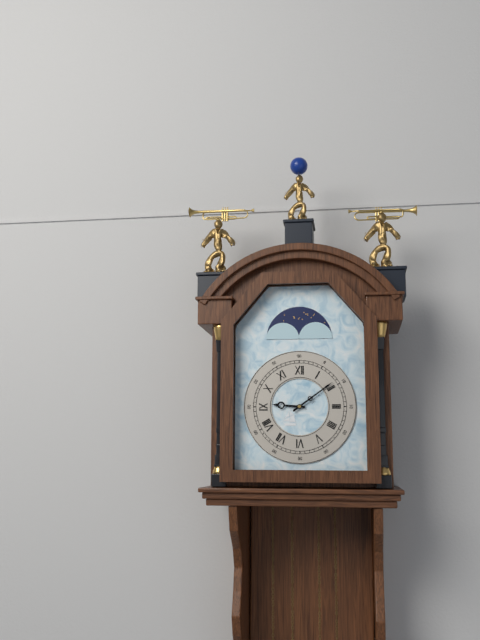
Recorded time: 9:09
